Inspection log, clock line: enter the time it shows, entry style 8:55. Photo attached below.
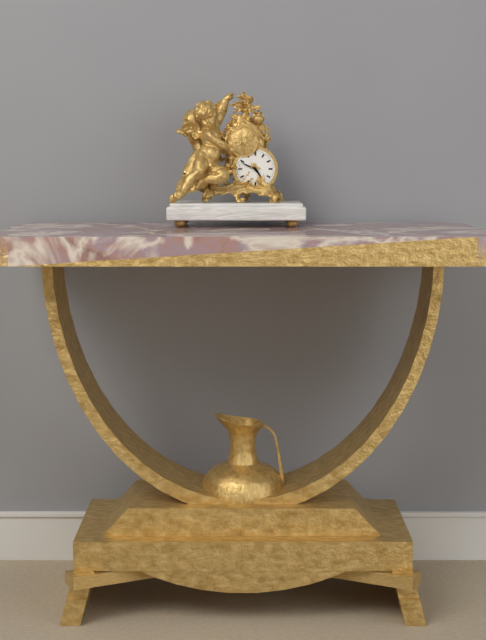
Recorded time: 4:49
